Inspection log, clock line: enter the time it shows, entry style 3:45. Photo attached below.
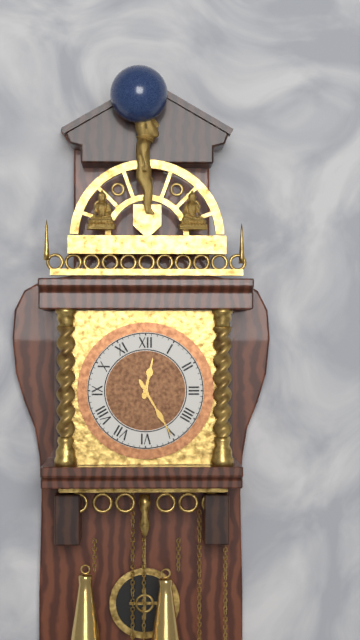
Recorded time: 12:25
